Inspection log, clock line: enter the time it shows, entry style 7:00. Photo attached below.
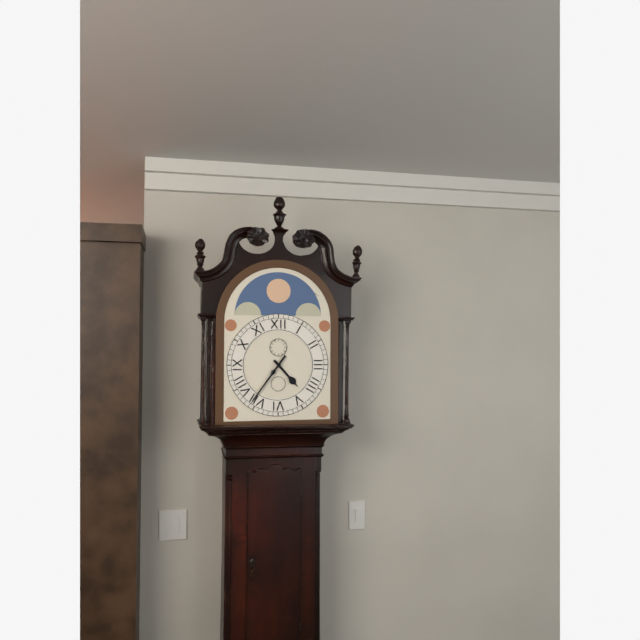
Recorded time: 4:36
